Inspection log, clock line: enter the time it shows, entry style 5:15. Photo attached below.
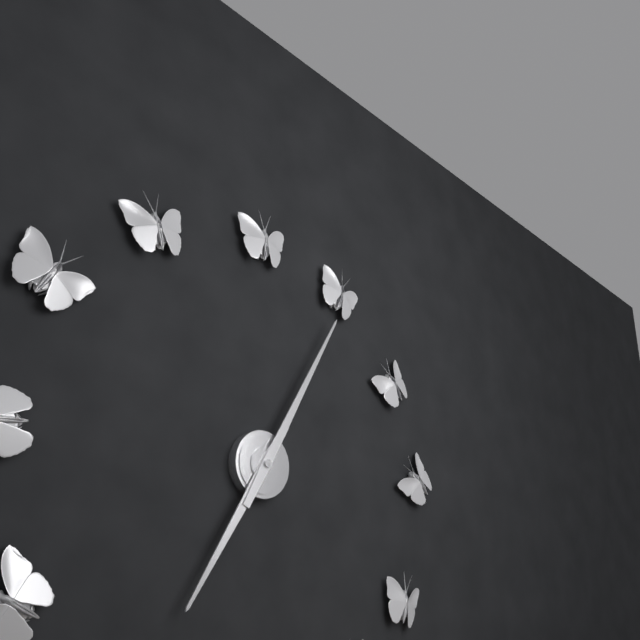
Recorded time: 7:05
